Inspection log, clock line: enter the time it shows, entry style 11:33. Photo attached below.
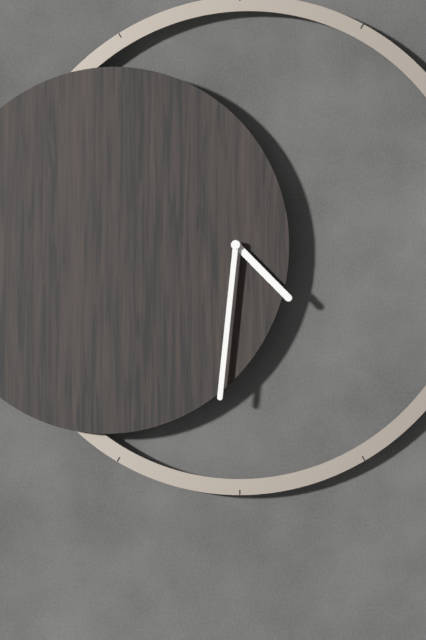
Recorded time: 4:31
